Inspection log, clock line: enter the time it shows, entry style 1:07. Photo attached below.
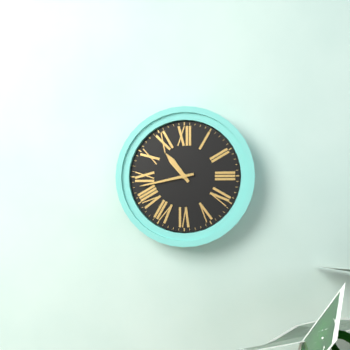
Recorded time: 10:43
